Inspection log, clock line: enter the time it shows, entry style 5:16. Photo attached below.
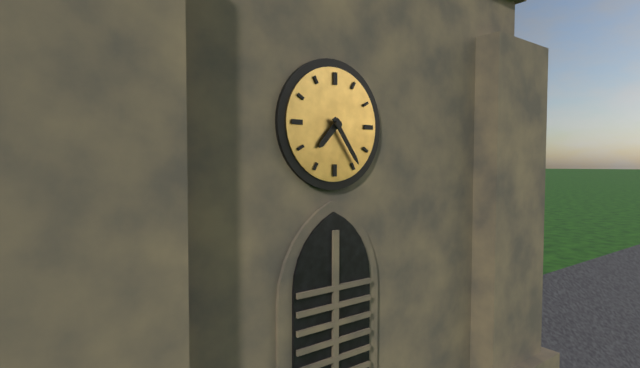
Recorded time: 7:24
